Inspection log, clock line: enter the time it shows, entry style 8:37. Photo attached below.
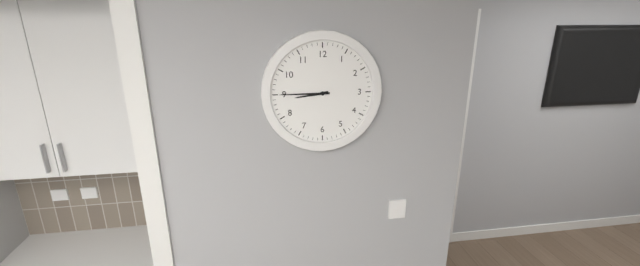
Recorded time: 8:45
